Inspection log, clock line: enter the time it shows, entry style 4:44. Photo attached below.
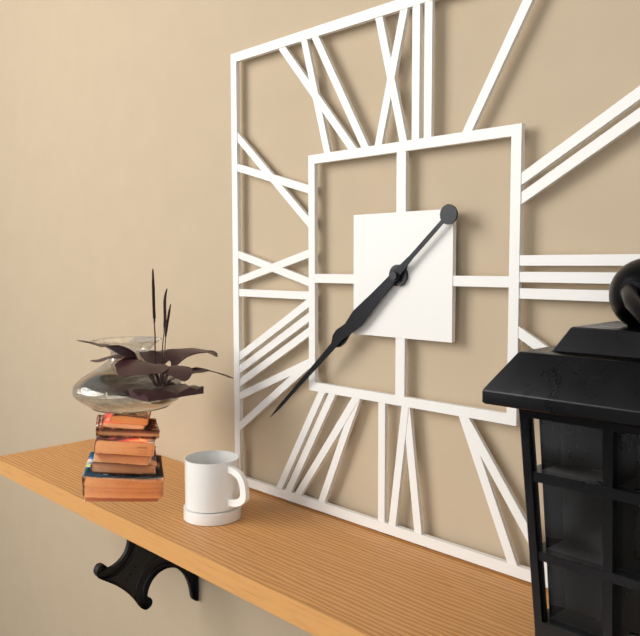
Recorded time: 7:38
